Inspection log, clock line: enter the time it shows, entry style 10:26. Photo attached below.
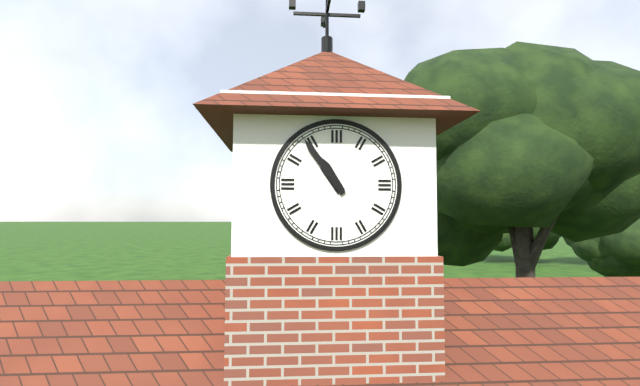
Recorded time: 10:54
